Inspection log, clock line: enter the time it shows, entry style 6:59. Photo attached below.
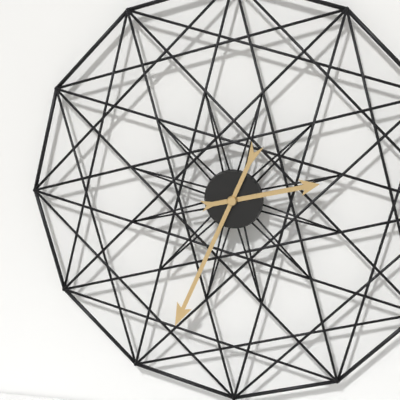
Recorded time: 2:34
